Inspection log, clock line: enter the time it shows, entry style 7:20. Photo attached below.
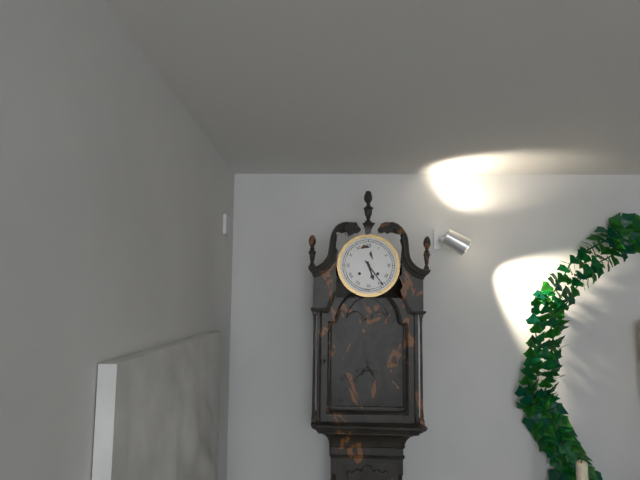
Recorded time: 5:24
